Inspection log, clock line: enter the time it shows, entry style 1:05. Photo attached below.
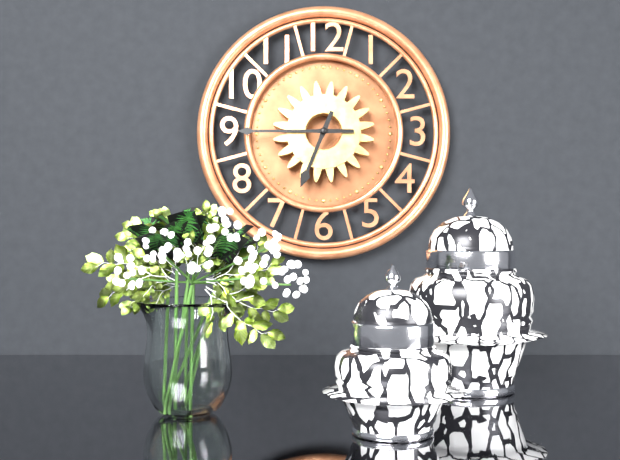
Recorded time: 6:45
